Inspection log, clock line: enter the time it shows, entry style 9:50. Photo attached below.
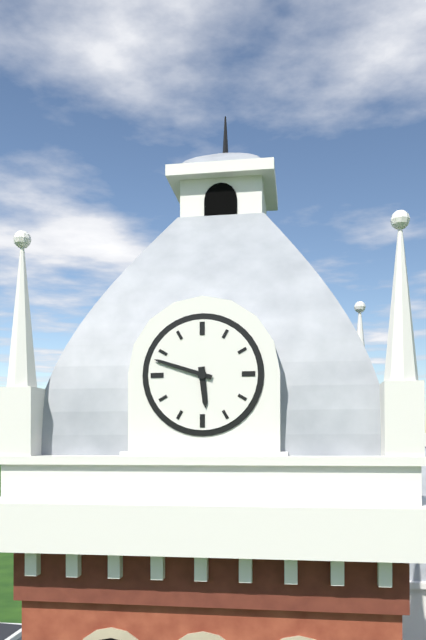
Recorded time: 5:48
